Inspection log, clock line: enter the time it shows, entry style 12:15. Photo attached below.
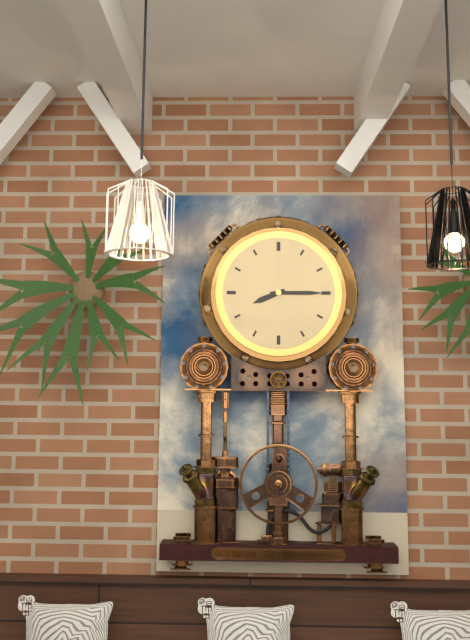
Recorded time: 8:15
